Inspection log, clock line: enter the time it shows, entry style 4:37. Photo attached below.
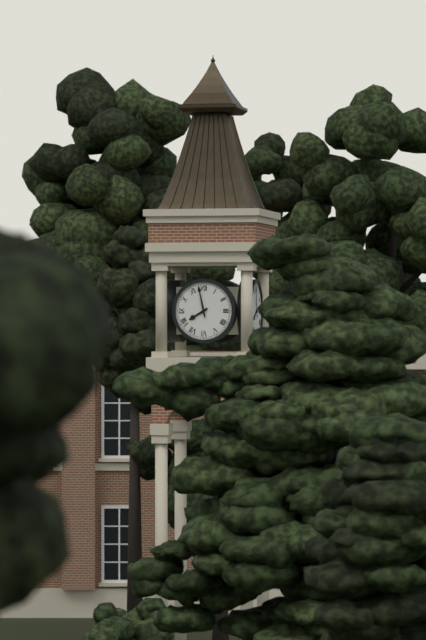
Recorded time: 7:58
